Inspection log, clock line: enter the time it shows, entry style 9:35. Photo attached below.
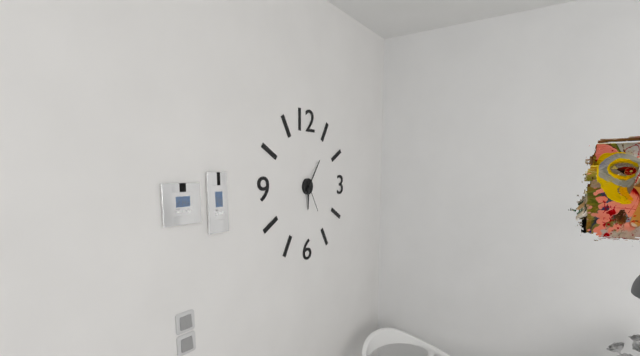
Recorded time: 6:06
